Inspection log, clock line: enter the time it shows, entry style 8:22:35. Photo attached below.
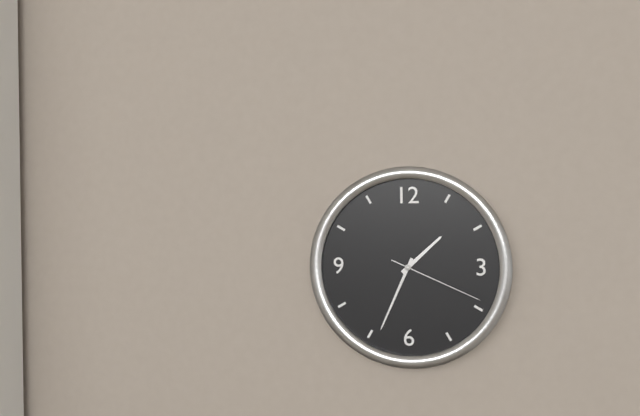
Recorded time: 1:34:19
